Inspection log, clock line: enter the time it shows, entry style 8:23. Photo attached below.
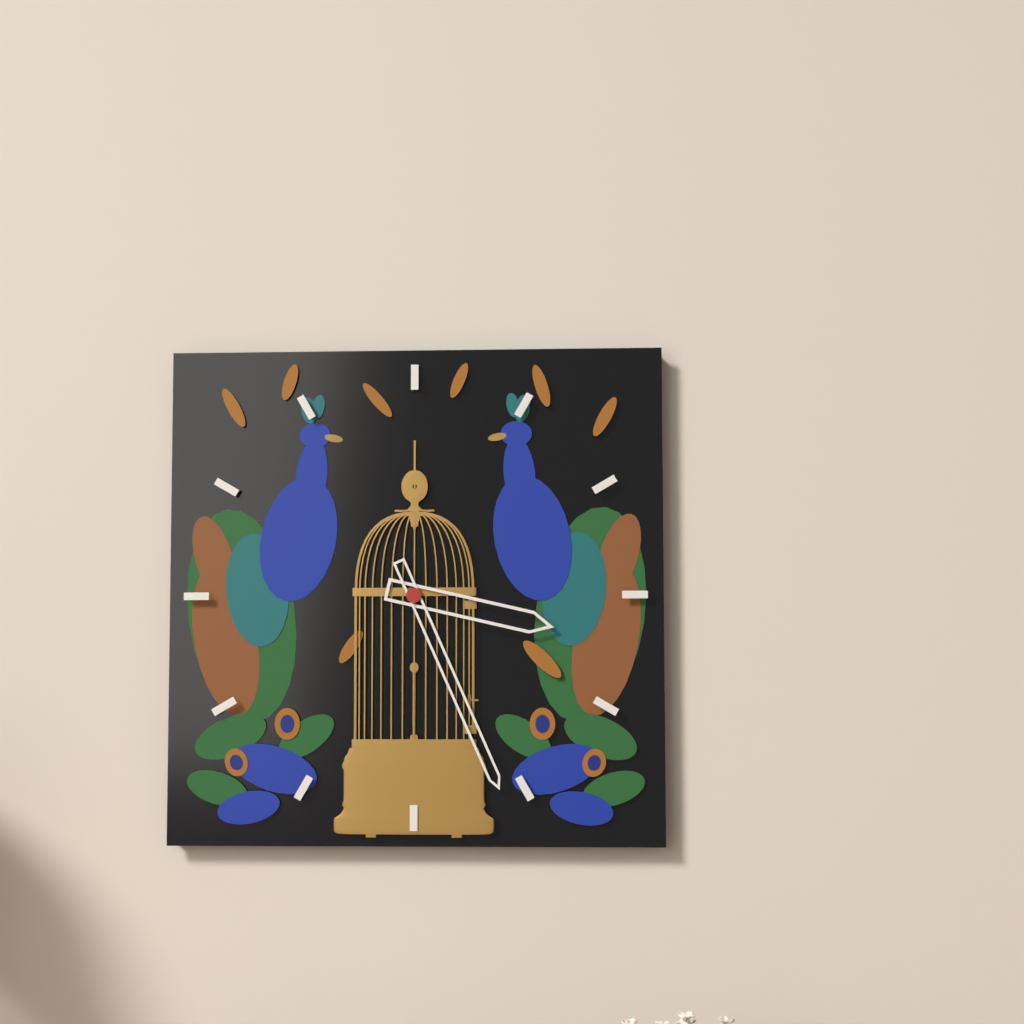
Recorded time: 3:26
